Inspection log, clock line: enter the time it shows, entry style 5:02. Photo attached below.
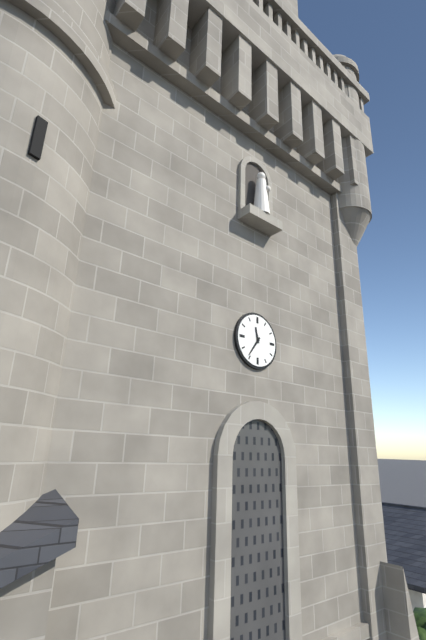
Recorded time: 11:36
